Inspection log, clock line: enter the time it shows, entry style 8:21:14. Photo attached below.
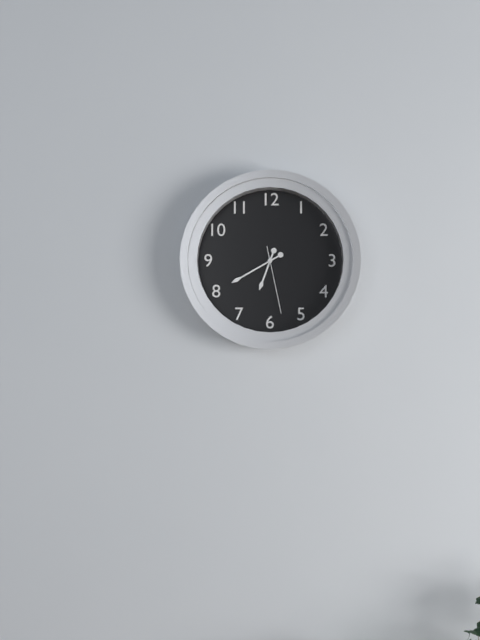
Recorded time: 6:40:28
